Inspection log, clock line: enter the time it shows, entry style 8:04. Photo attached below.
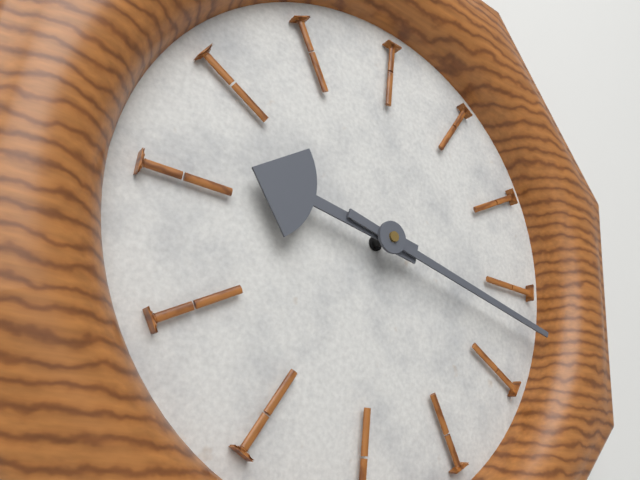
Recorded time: 9:17
